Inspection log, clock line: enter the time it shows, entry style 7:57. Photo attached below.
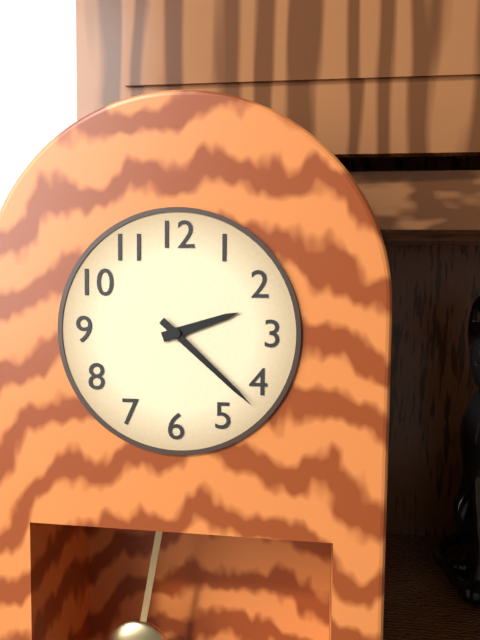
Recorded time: 2:22
